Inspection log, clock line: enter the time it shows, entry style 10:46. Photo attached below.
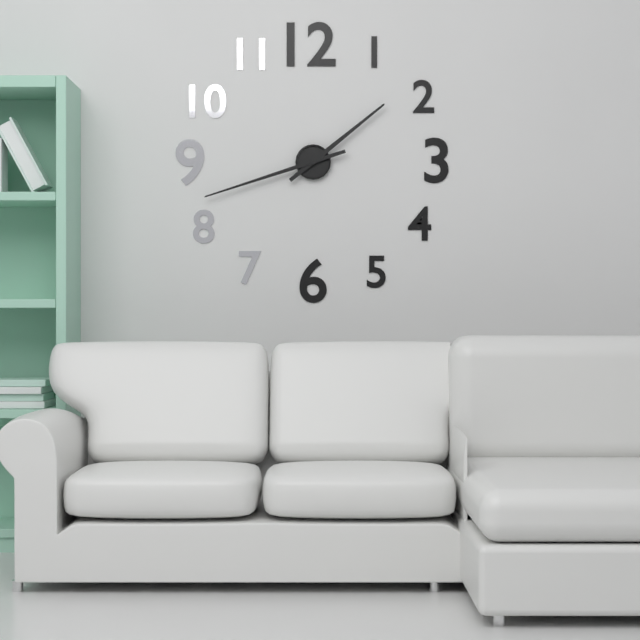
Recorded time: 1:42
